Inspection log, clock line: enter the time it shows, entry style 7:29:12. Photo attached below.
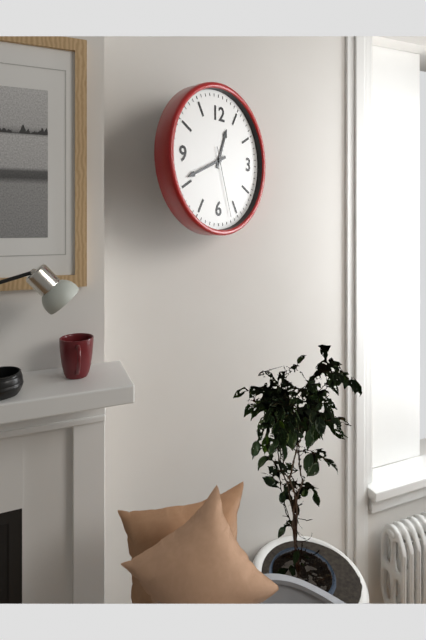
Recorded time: 12:41:27
